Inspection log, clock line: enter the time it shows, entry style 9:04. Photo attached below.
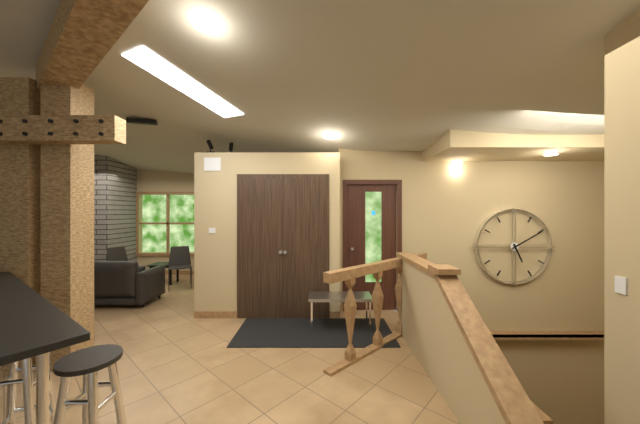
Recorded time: 5:10
